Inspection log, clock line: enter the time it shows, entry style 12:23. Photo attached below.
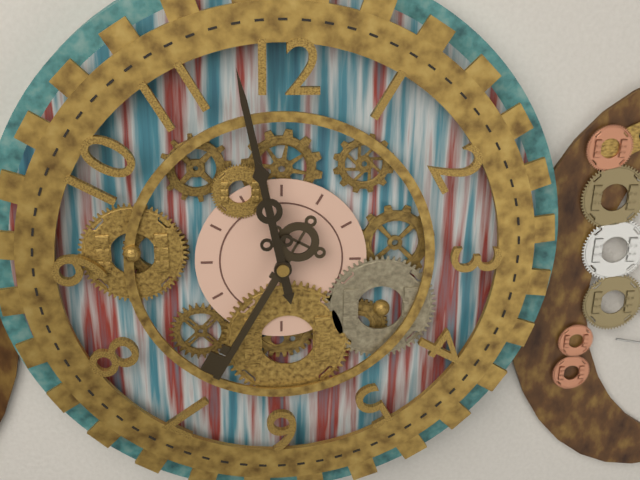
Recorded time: 6:58
